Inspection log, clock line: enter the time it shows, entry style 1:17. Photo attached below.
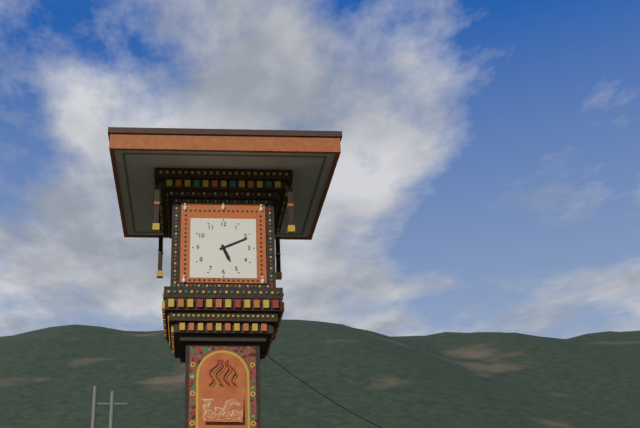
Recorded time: 5:11
